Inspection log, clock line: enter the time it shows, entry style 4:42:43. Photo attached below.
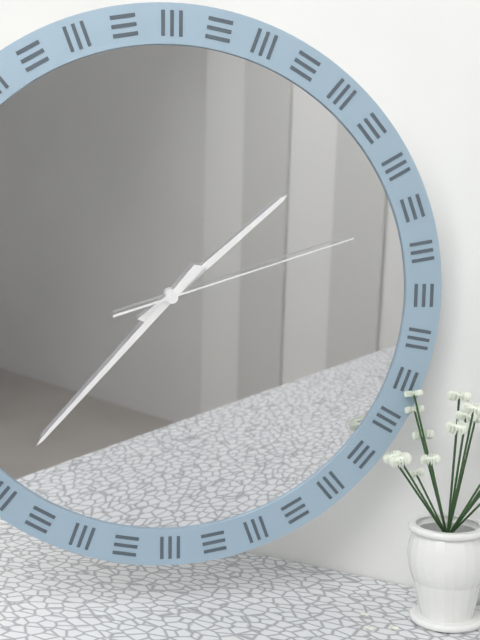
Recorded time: 1:37:12
